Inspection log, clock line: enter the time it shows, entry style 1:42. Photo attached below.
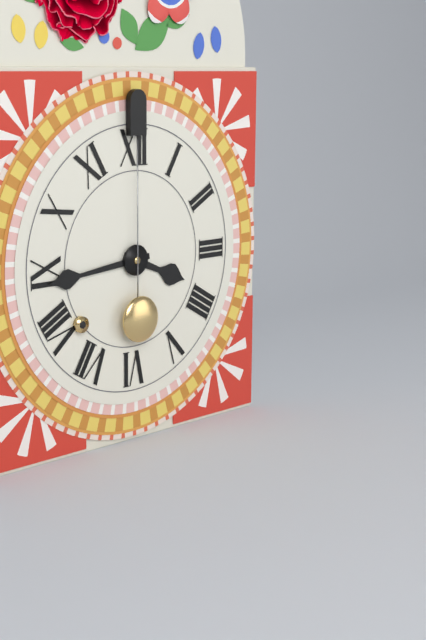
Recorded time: 3:44
